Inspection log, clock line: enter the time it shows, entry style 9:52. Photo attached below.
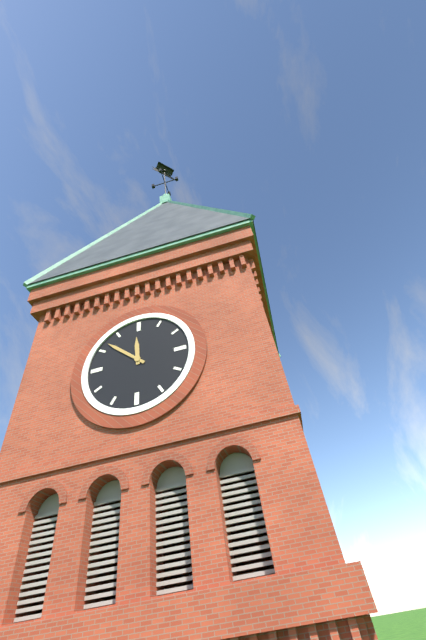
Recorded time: 11:52
